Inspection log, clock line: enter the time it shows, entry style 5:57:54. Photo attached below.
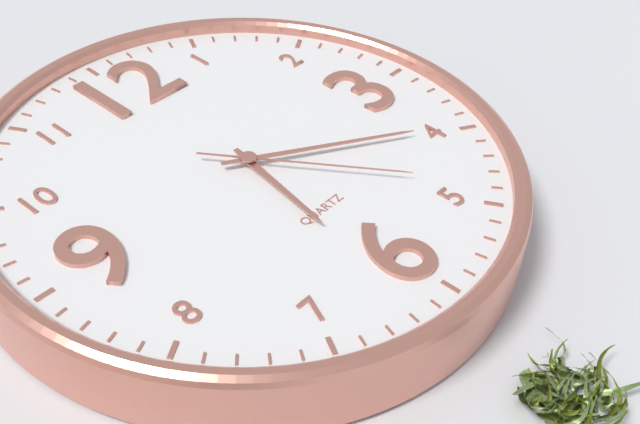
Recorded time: 6:20:24
